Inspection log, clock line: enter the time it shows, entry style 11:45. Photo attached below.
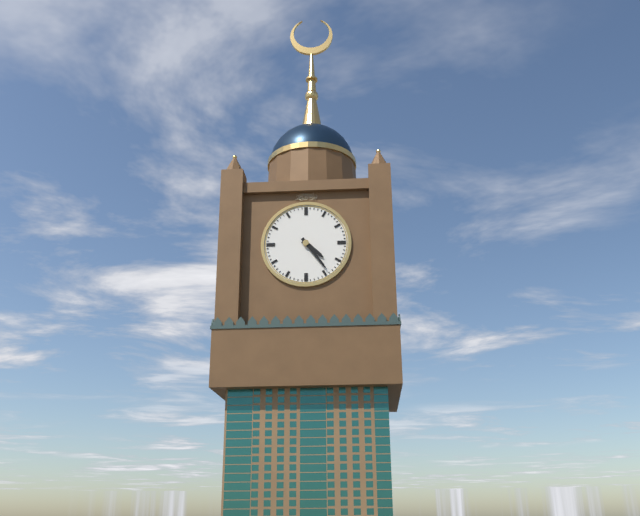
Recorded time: 4:24
